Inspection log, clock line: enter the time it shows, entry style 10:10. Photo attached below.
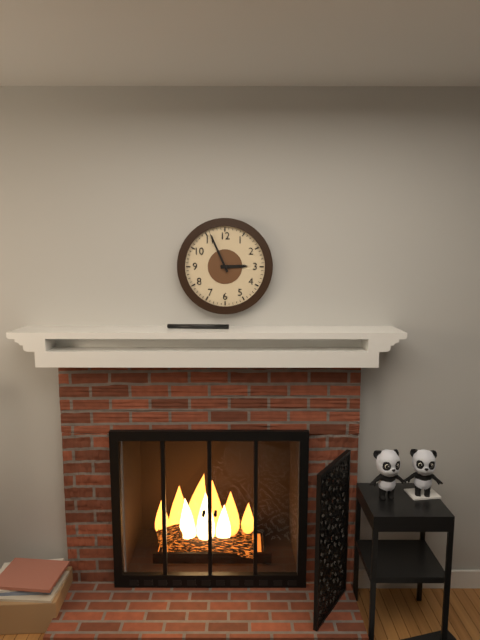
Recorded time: 2:56
